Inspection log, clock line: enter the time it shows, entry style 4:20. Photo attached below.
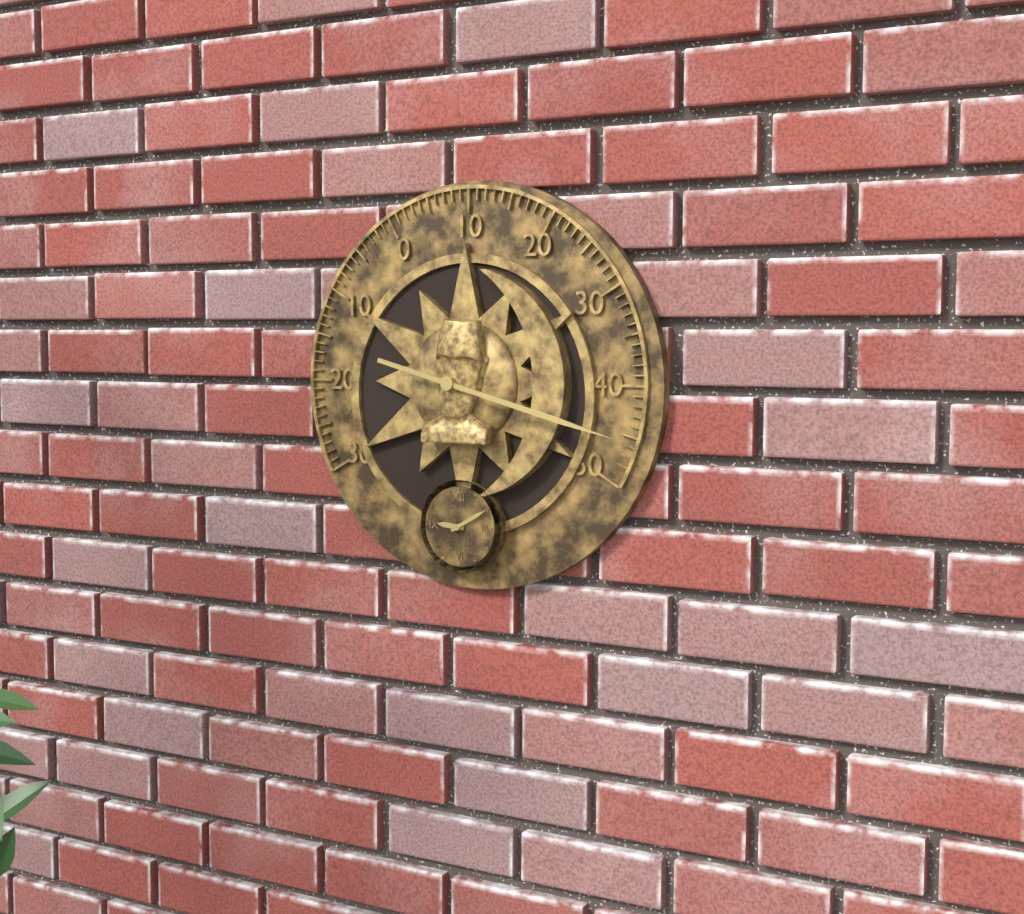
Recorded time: 9:10
